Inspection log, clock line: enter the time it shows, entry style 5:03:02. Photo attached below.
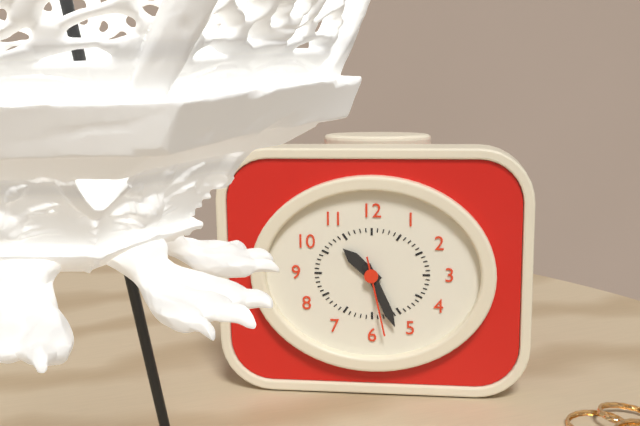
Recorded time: 10:26:28
